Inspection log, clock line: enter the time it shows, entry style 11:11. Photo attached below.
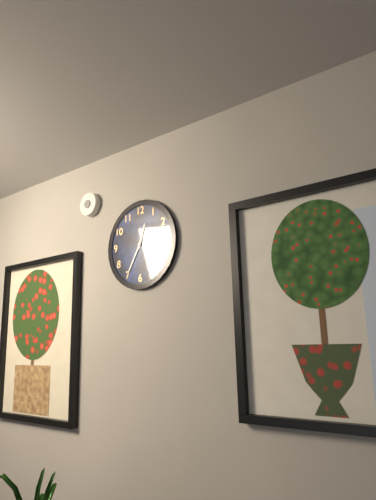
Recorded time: 12:35
